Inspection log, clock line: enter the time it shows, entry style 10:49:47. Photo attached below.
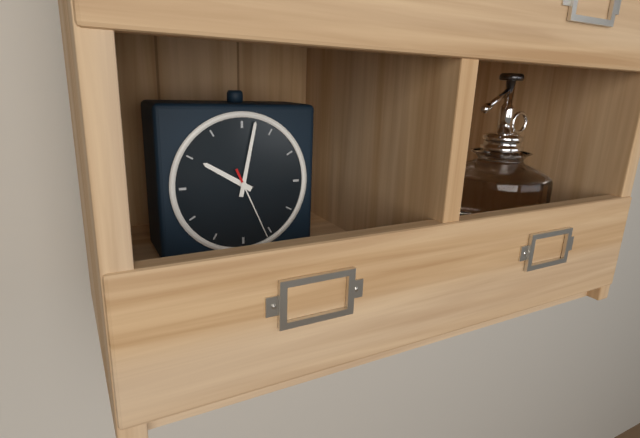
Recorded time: 10:02:26
